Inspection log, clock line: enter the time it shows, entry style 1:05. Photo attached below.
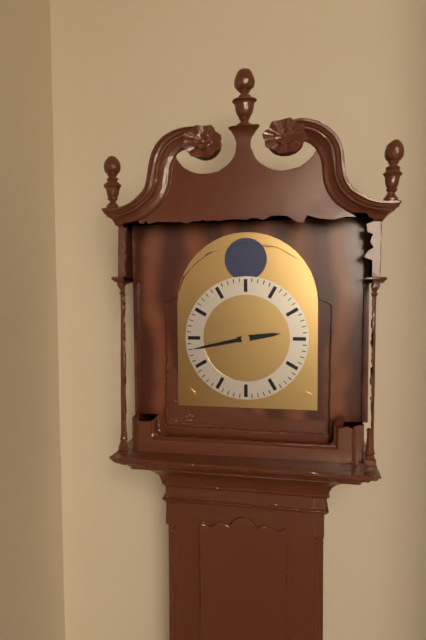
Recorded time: 2:43
